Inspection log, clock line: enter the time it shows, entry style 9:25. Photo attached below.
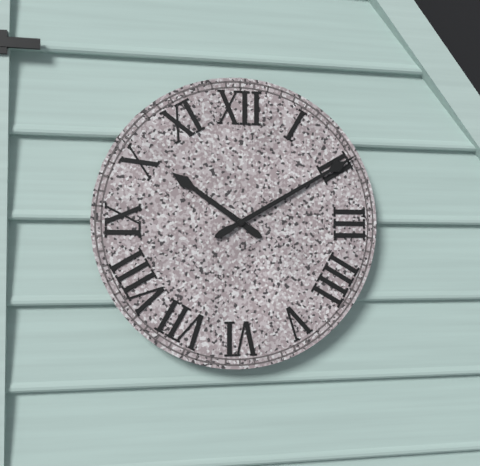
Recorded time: 10:10
